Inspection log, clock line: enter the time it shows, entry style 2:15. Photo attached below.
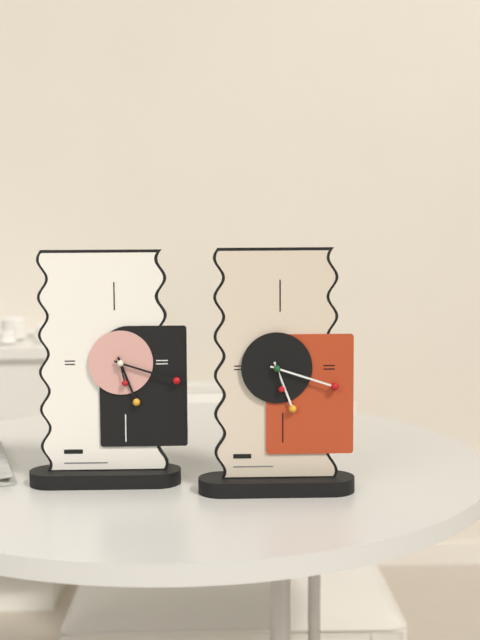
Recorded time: 5:18
